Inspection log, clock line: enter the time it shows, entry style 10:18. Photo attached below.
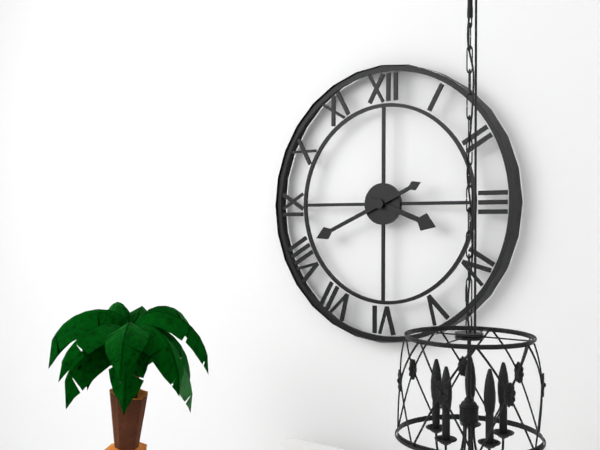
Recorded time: 3:41
